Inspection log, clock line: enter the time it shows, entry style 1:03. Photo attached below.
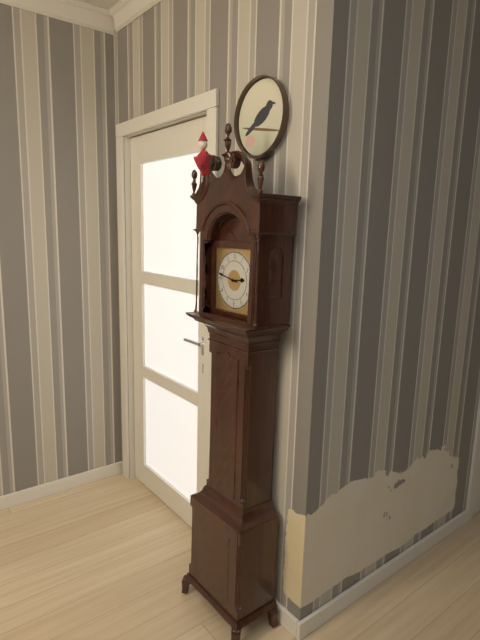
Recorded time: 2:47
